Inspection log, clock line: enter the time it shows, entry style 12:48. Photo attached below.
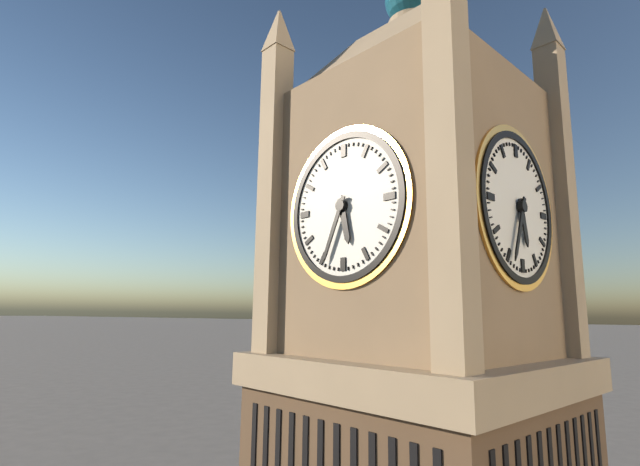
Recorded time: 5:34
